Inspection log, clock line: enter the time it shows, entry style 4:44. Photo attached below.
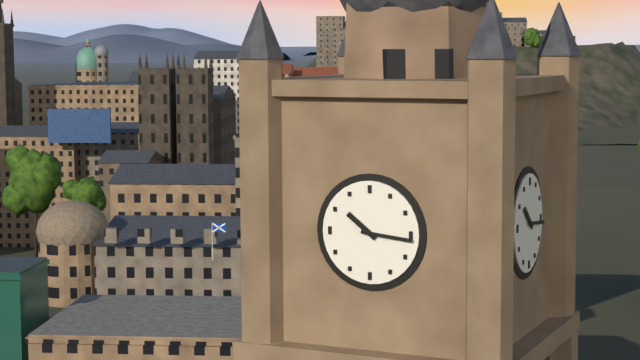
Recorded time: 10:16
